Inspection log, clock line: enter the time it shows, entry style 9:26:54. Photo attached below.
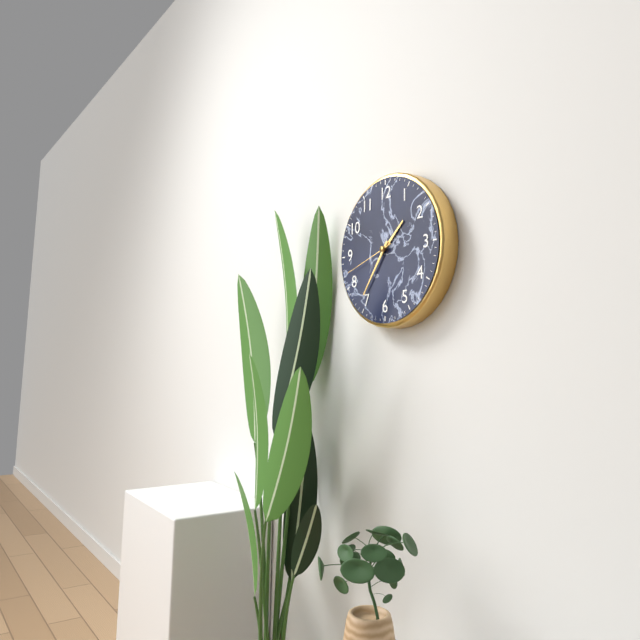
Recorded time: 1:36:42
